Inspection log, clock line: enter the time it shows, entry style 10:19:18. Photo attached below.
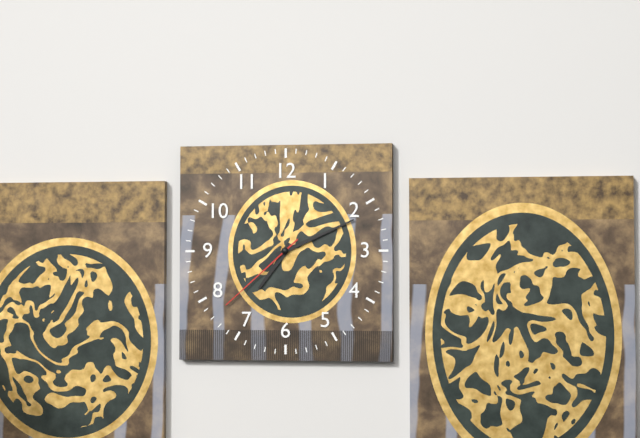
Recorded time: 7:11:38
